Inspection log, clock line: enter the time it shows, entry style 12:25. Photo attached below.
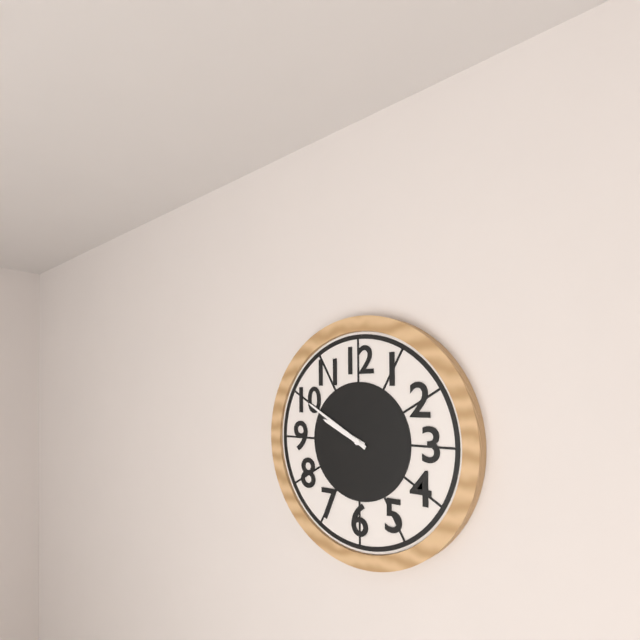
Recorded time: 9:50
